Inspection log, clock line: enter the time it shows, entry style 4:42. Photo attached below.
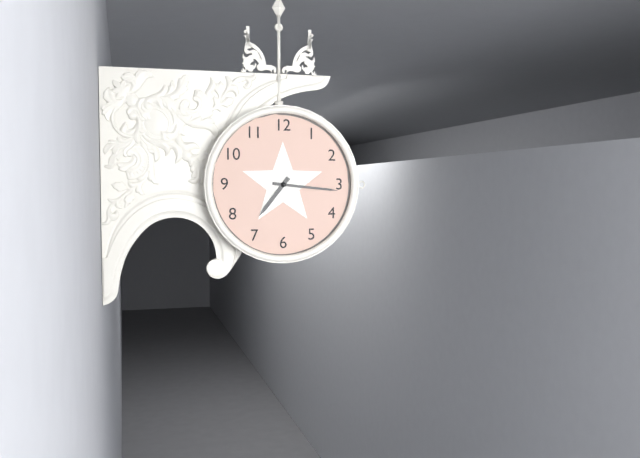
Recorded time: 7:16
